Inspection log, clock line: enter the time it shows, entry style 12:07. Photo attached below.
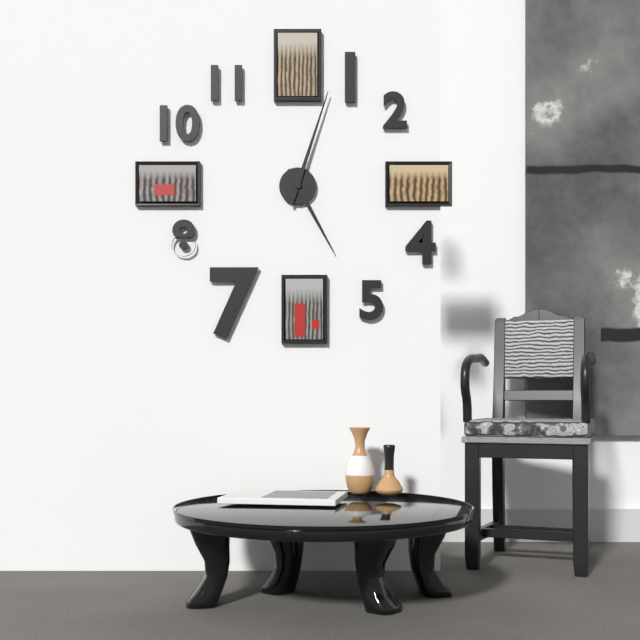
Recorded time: 5:03
